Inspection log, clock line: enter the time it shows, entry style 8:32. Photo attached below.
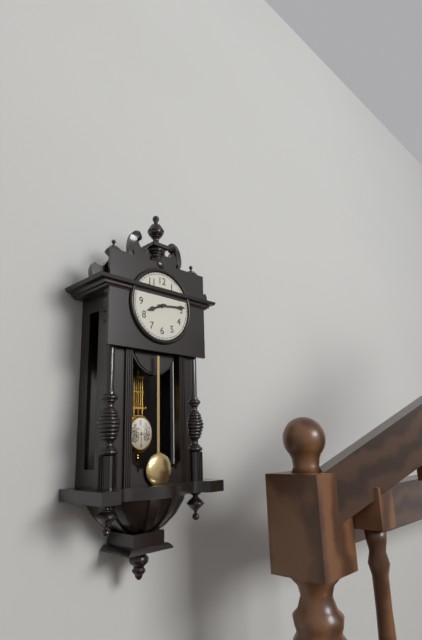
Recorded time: 8:14
